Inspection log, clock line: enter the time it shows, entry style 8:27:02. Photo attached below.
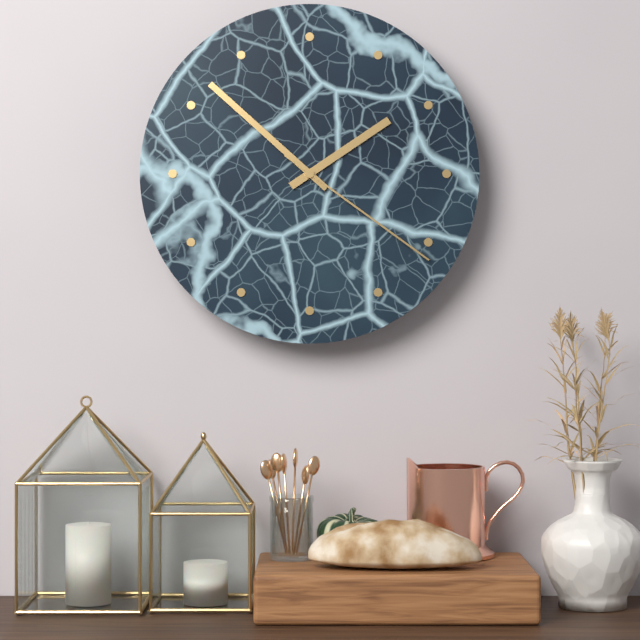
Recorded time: 1:52:21
